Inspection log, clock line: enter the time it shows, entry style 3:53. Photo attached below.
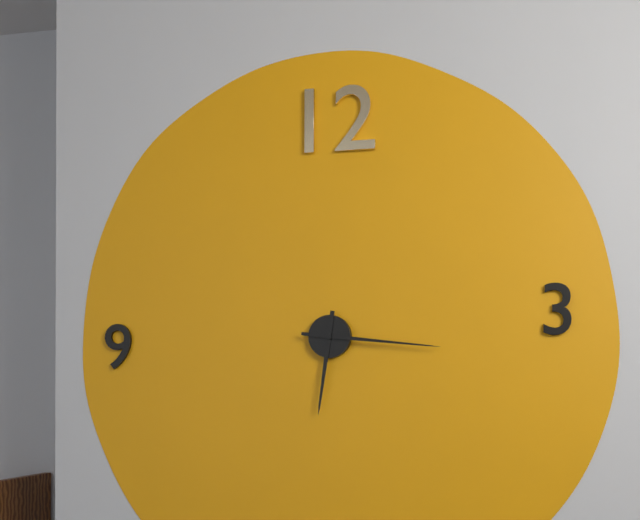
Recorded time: 6:16
